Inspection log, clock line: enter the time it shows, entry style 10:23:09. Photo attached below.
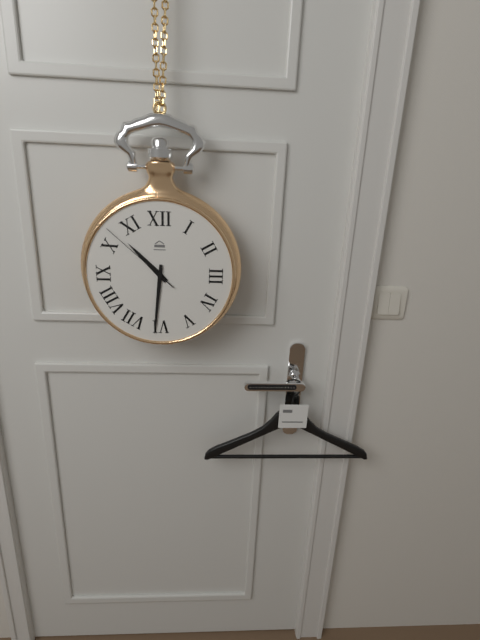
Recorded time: 10:31:52
